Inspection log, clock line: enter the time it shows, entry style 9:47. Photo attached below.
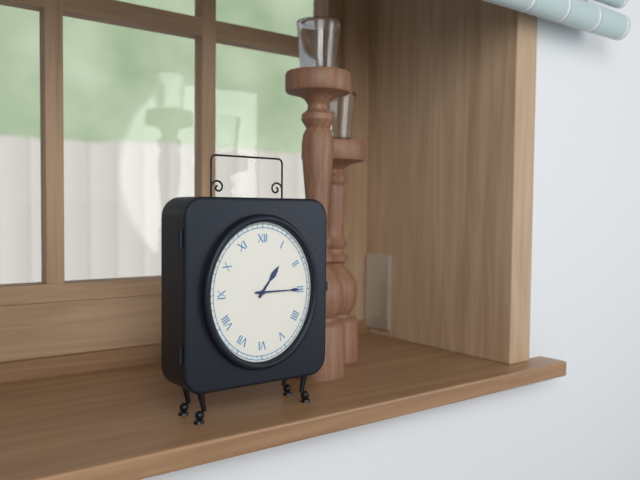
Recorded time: 1:15
